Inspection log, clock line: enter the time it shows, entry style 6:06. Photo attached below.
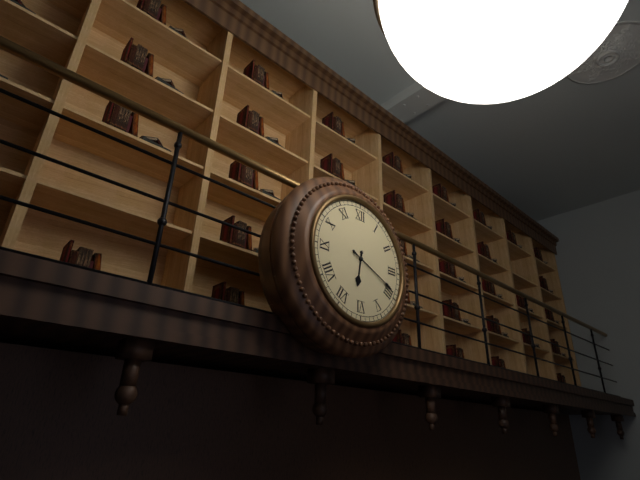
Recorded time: 6:19
